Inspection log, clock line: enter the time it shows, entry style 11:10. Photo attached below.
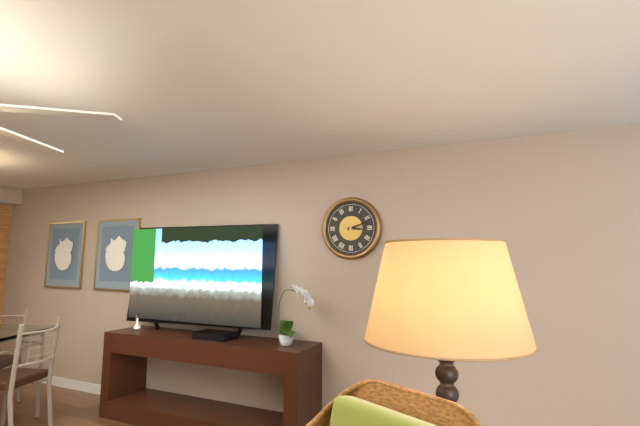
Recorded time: 3:12
